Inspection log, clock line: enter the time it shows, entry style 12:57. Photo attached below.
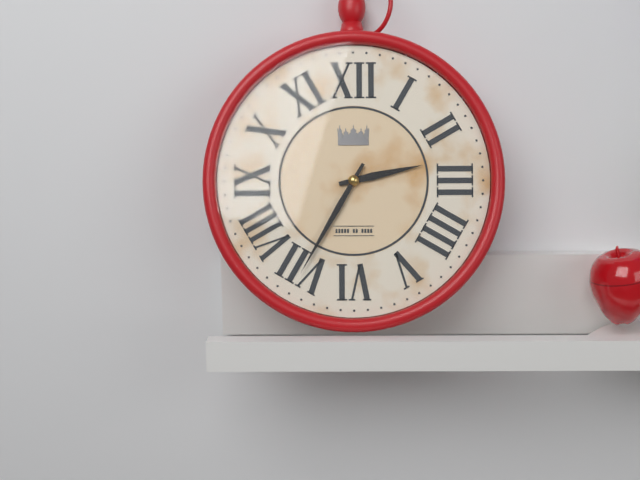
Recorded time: 2:35
